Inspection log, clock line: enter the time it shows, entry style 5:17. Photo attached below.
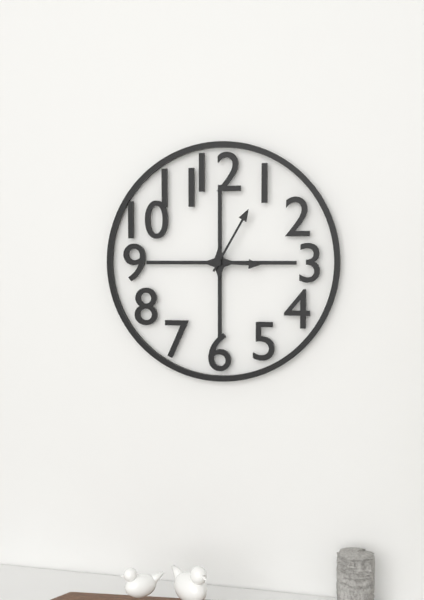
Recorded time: 3:05
